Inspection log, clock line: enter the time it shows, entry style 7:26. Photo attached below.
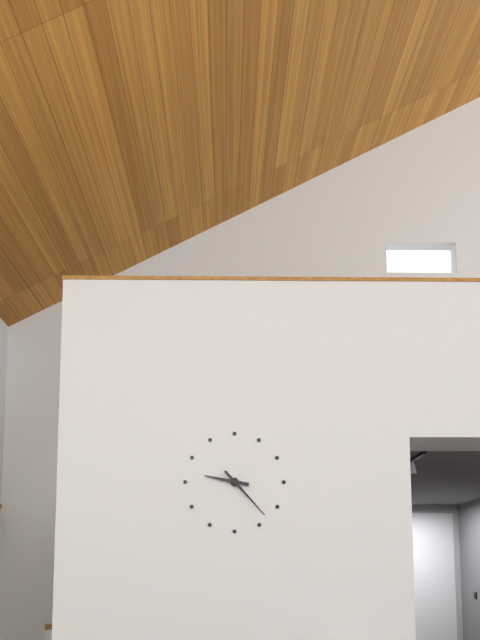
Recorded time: 9:23
